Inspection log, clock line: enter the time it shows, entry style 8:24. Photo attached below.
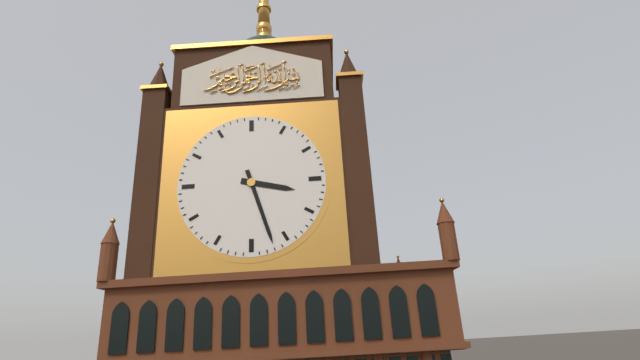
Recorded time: 3:27
